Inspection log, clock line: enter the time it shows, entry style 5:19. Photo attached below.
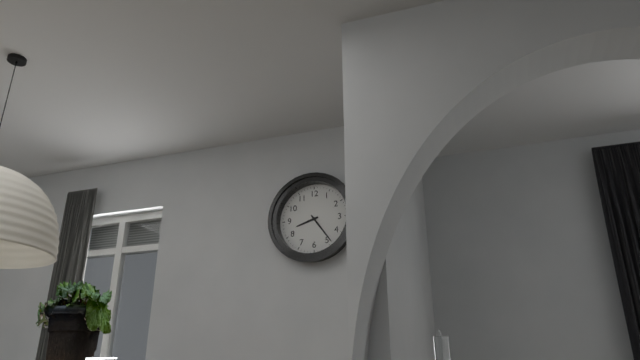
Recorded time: 8:24
